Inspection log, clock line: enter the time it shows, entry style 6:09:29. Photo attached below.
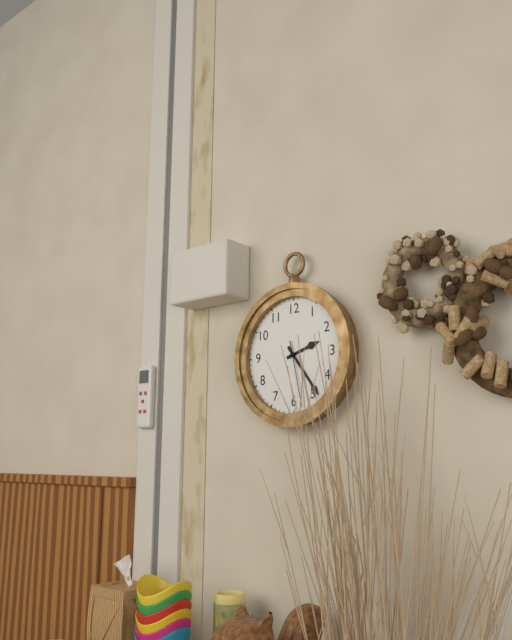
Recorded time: 2:24:28
